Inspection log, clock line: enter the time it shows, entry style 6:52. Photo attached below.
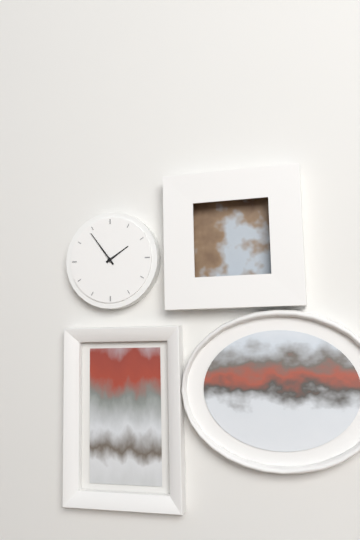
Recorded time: 1:54
